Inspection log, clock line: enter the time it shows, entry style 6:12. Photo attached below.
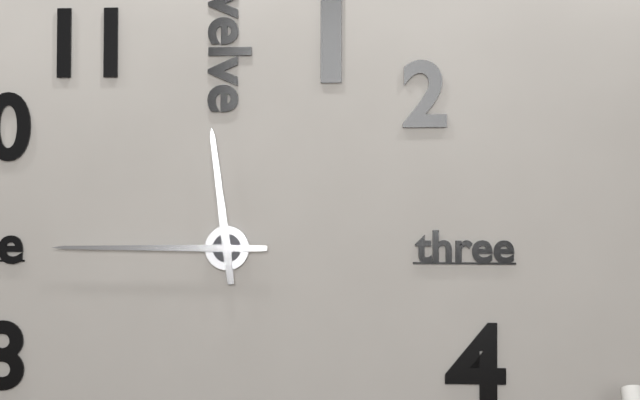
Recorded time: 11:45
